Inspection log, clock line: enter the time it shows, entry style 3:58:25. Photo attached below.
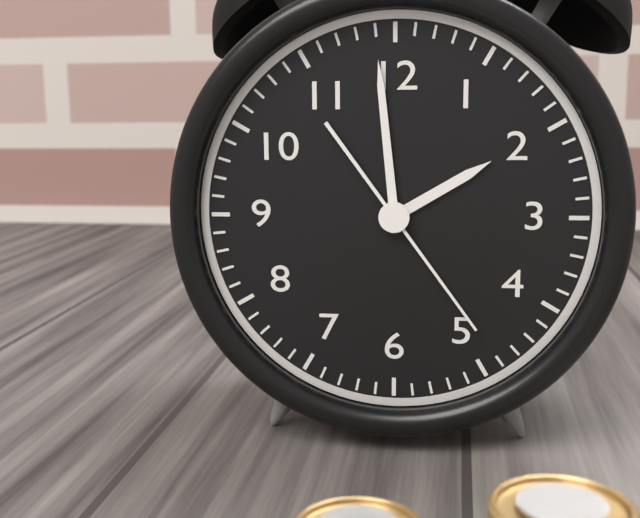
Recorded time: 1:59:24
